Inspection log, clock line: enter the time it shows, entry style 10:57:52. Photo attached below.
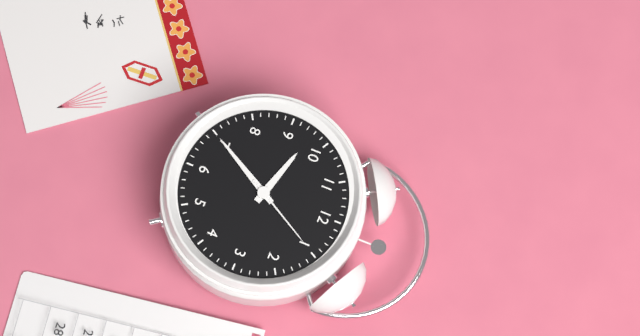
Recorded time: 9:35:05
